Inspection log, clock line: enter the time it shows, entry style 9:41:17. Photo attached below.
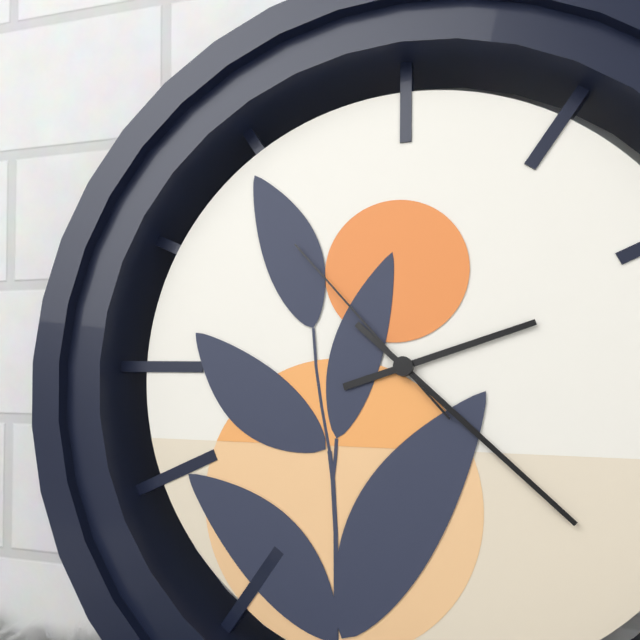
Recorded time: 2:22:53
